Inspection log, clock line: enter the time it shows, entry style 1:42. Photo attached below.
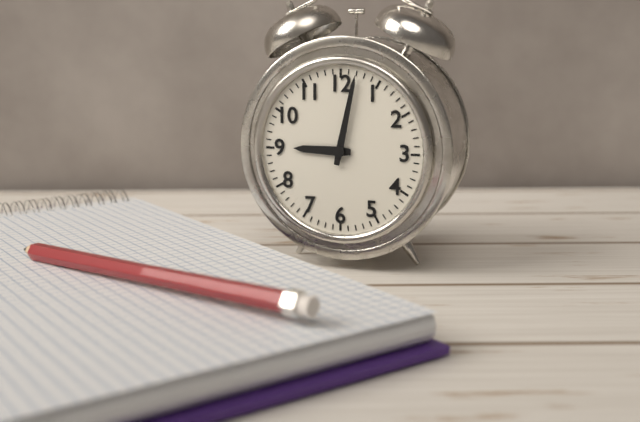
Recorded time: 9:02
